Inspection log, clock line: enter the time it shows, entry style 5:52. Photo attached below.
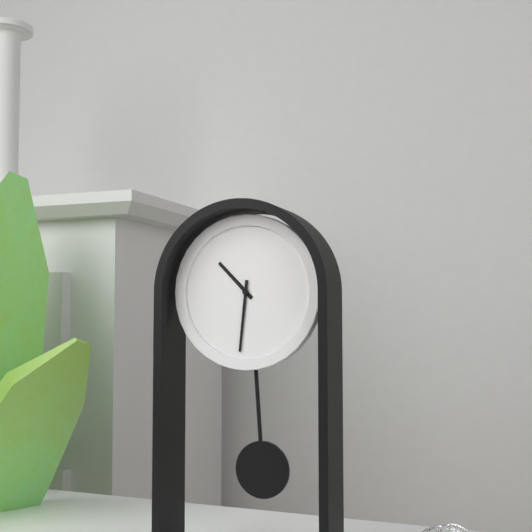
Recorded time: 10:31
